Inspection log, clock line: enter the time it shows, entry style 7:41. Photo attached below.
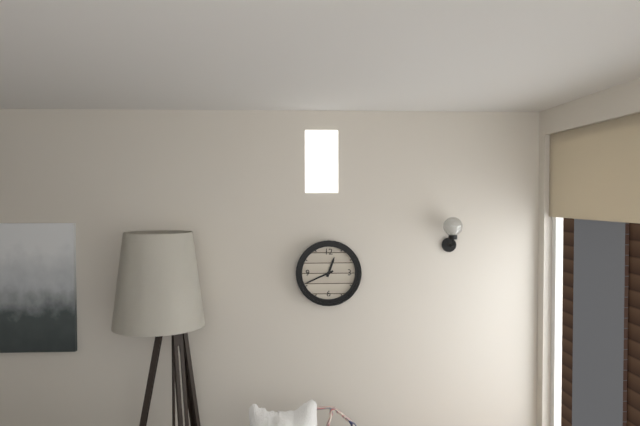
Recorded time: 12:41
